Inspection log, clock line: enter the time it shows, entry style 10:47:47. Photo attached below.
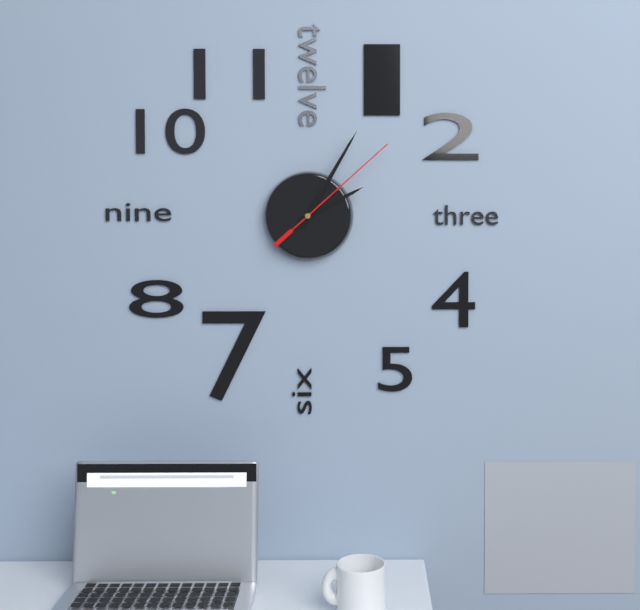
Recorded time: 2:05:08
